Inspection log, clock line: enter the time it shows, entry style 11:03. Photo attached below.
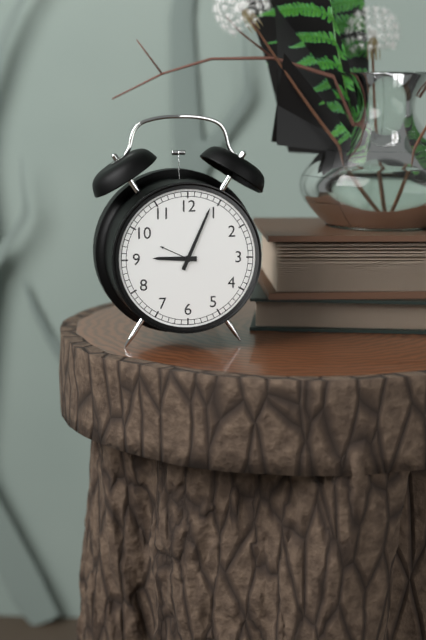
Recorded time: 9:04
